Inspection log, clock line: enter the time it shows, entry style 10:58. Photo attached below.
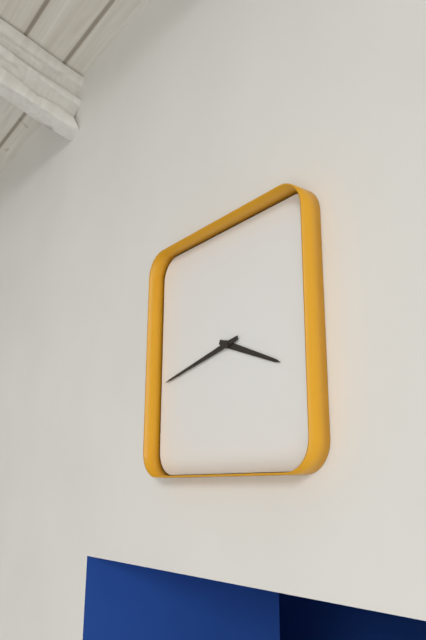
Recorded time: 3:43
